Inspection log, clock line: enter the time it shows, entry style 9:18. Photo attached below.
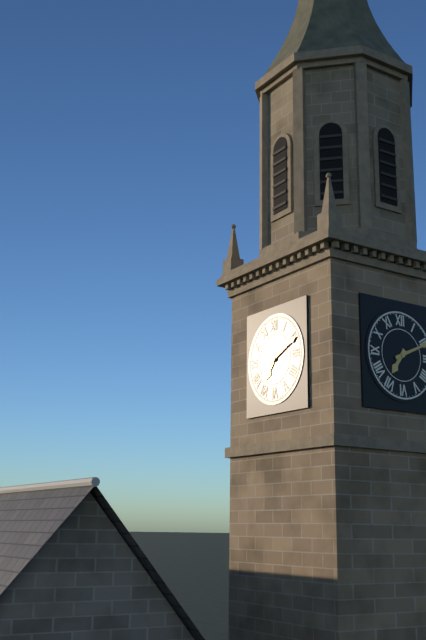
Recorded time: 7:11
